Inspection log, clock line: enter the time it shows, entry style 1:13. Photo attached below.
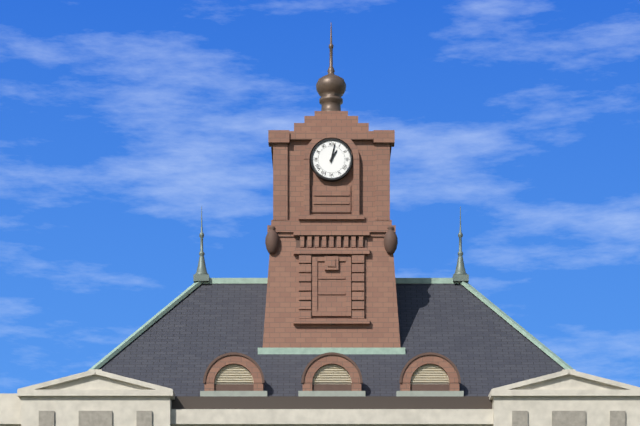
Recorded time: 1:02
